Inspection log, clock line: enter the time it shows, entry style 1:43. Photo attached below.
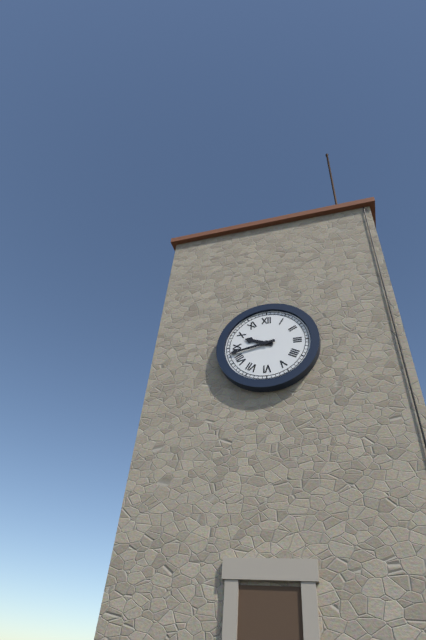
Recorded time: 9:43
